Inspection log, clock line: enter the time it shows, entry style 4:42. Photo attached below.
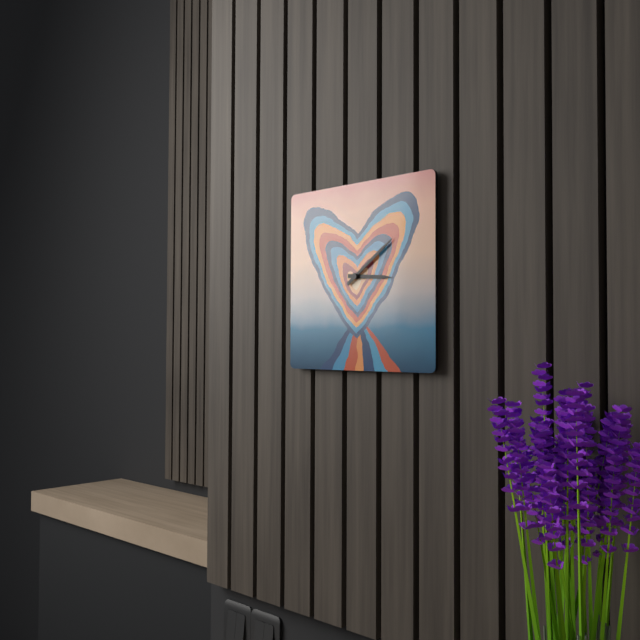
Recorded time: 3:09
